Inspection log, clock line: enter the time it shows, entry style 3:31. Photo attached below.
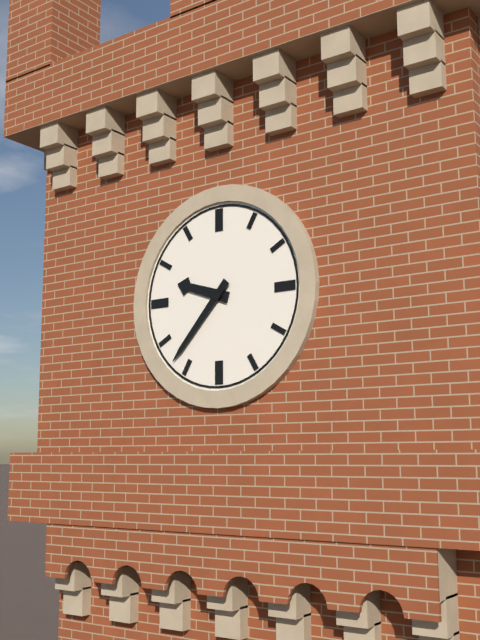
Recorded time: 9:37
